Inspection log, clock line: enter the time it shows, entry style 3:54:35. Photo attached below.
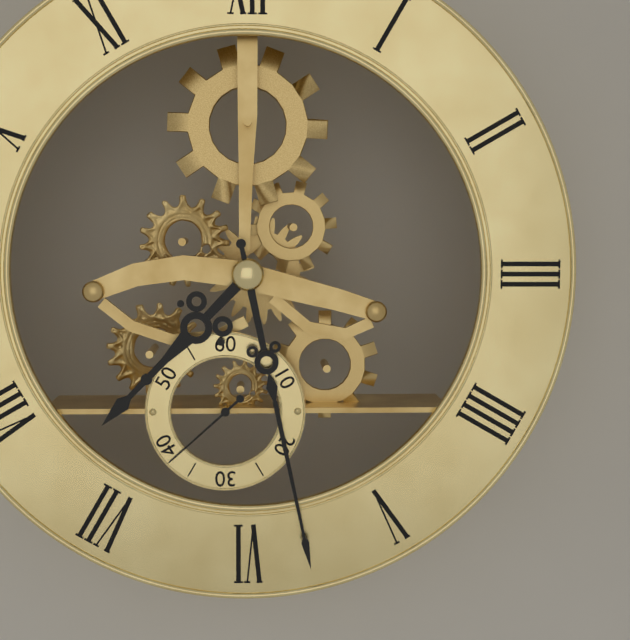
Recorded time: 7:28:38
